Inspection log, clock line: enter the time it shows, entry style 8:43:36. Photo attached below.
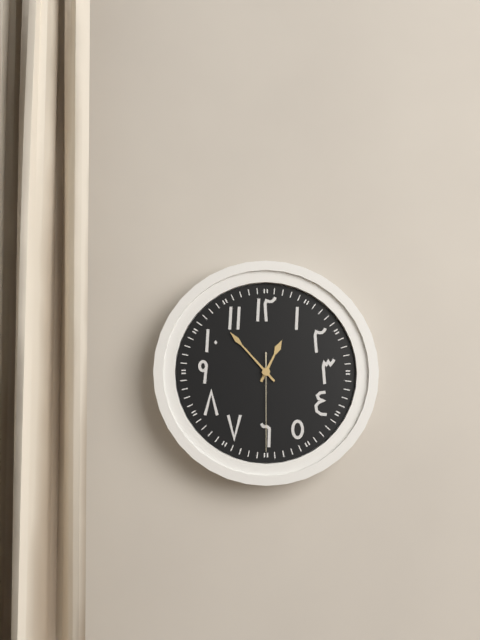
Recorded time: 12:53:30
